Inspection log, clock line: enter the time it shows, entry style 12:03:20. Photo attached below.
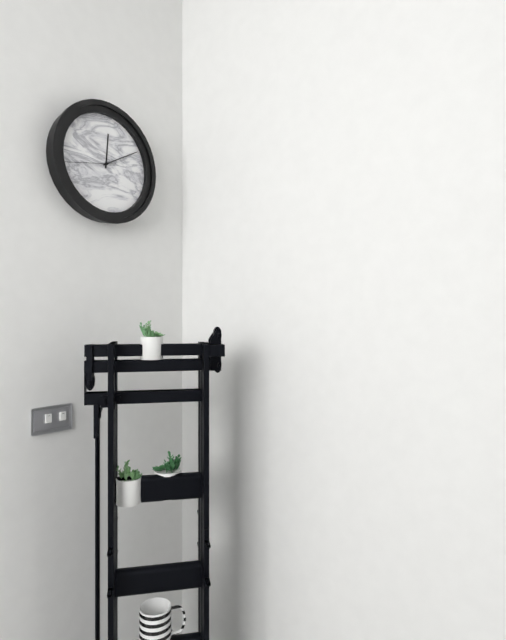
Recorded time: 12:10:43
